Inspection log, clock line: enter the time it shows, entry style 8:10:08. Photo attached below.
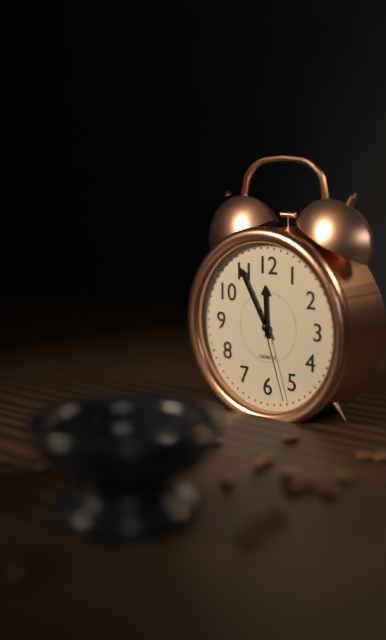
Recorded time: 11:55:27
